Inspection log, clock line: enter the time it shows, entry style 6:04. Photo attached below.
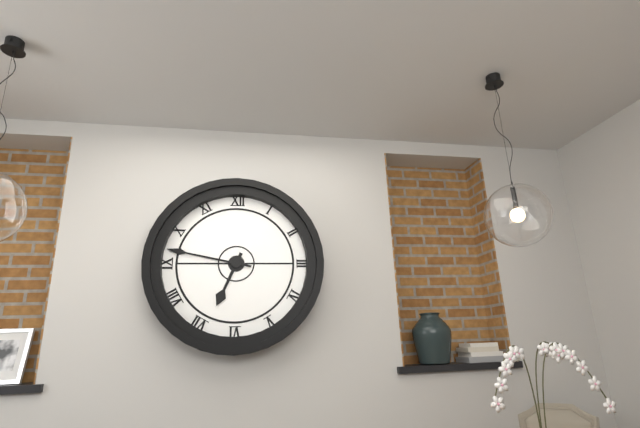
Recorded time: 6:47
